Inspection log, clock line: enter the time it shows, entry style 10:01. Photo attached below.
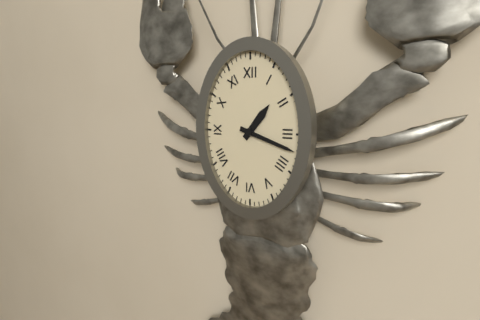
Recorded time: 1:18
